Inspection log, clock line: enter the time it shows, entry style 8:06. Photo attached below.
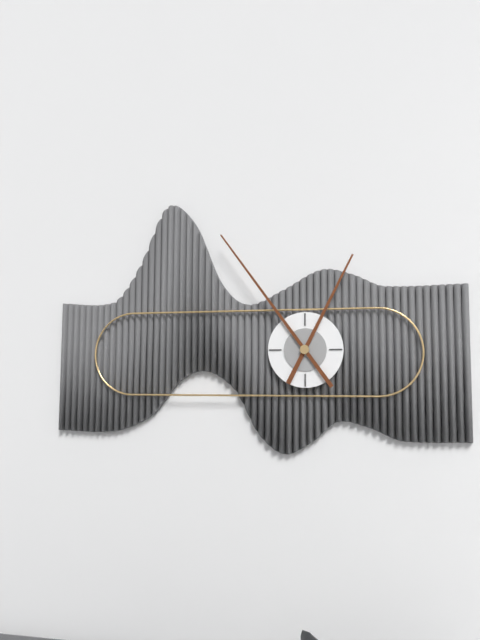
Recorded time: 12:54
